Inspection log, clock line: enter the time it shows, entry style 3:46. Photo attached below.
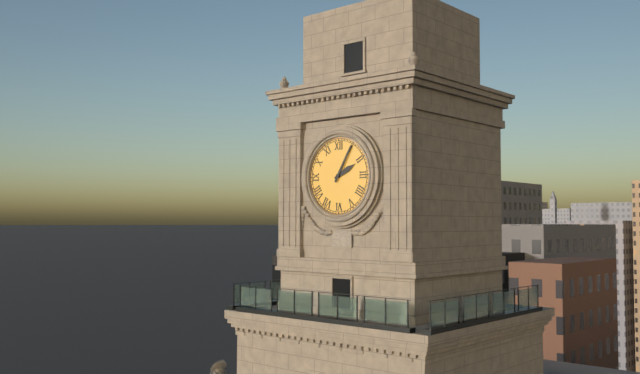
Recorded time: 2:05
